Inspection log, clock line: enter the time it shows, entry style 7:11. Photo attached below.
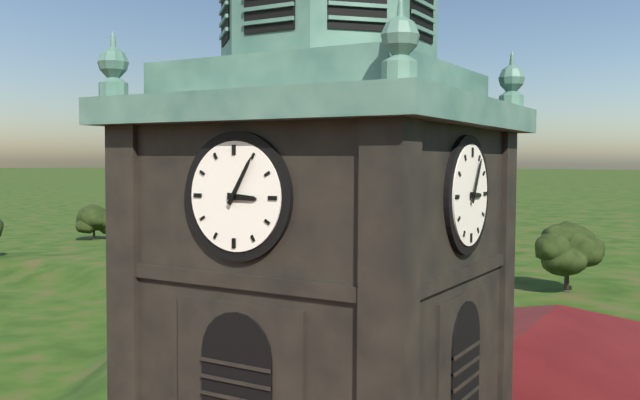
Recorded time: 3:05
